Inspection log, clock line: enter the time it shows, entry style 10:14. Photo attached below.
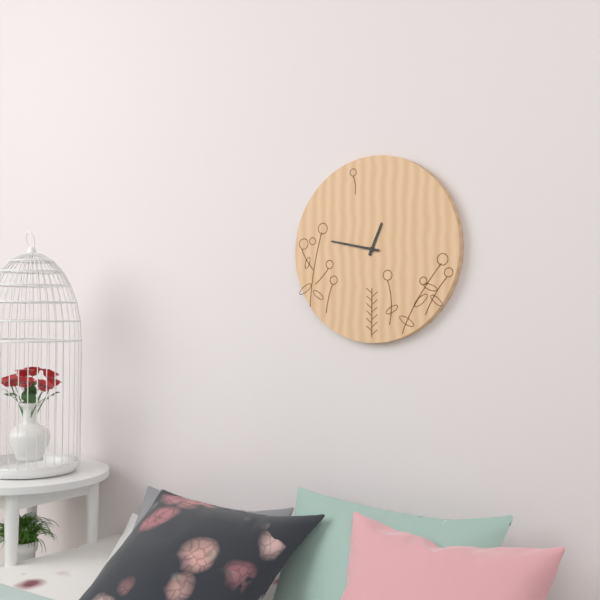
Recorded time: 12:47
